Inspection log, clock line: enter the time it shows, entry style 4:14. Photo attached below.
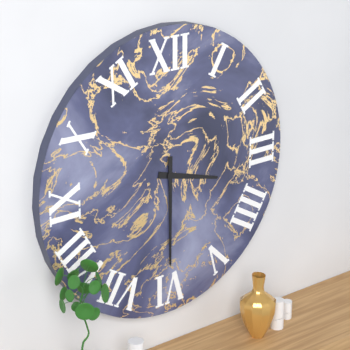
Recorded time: 3:30
